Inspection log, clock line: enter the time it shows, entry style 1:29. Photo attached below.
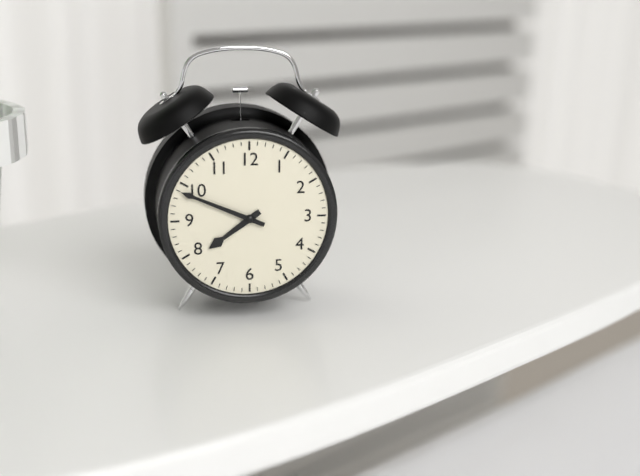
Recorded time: 7:49
